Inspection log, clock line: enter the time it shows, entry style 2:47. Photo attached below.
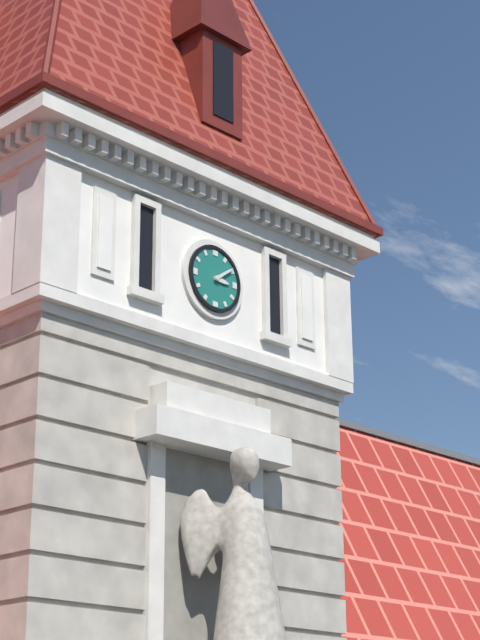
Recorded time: 3:09
